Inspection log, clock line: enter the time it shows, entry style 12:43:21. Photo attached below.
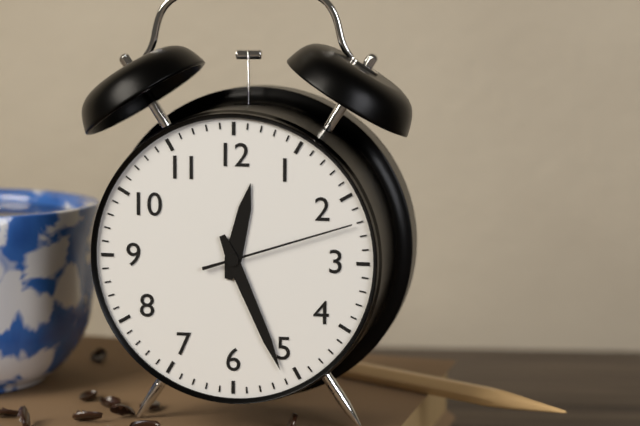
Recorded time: 12:26:12
